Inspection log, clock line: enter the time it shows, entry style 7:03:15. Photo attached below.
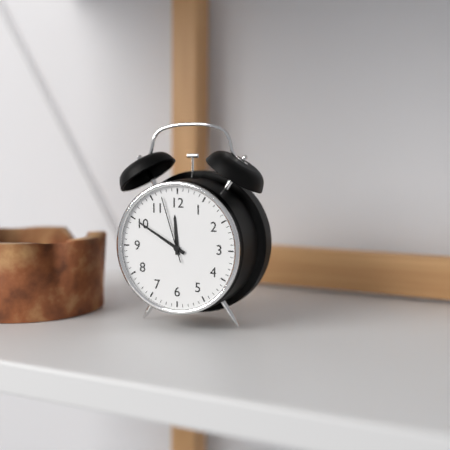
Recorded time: 11:50:57
